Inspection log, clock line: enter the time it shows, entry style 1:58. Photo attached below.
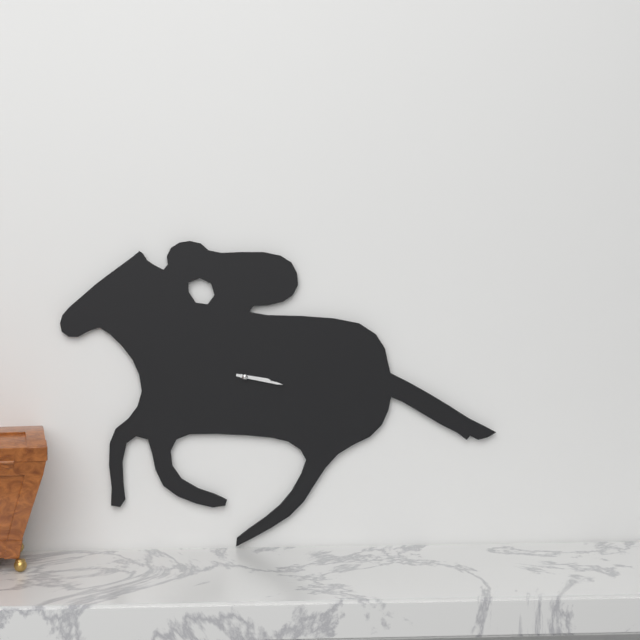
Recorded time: 3:17
